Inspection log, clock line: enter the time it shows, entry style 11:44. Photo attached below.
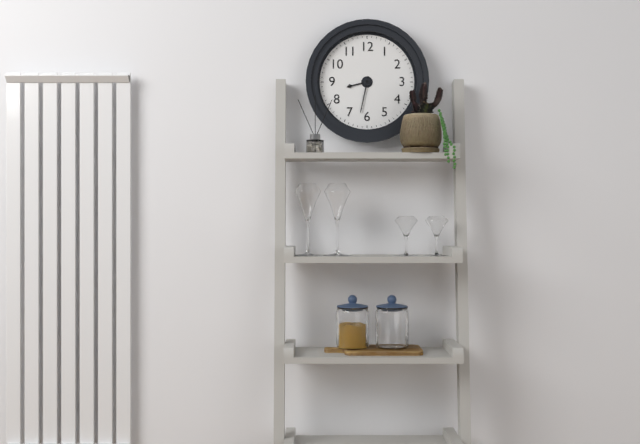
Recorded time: 8:32
